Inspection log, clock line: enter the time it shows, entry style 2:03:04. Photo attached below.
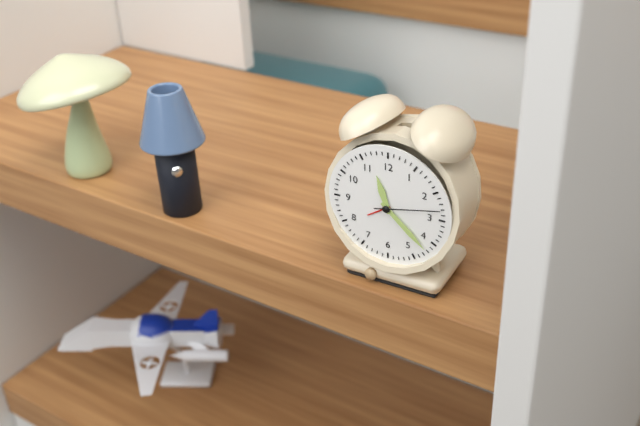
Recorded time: 11:22:13
